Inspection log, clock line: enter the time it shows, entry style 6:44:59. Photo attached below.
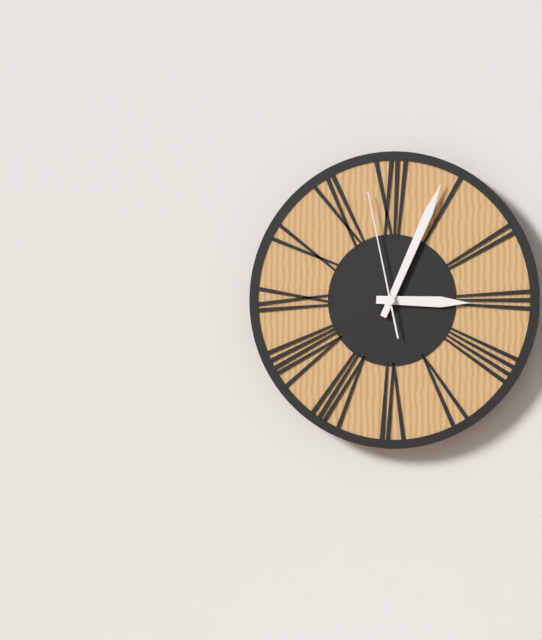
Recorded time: 3:04:58
